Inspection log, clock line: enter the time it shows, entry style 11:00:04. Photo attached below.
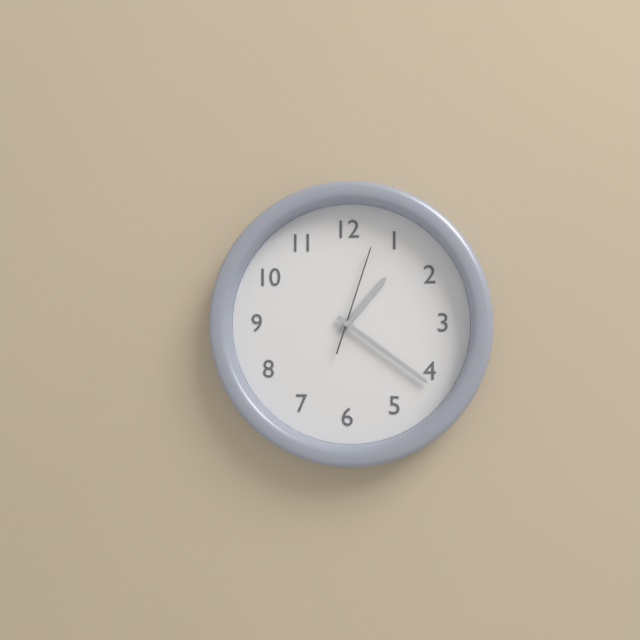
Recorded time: 1:21:03
